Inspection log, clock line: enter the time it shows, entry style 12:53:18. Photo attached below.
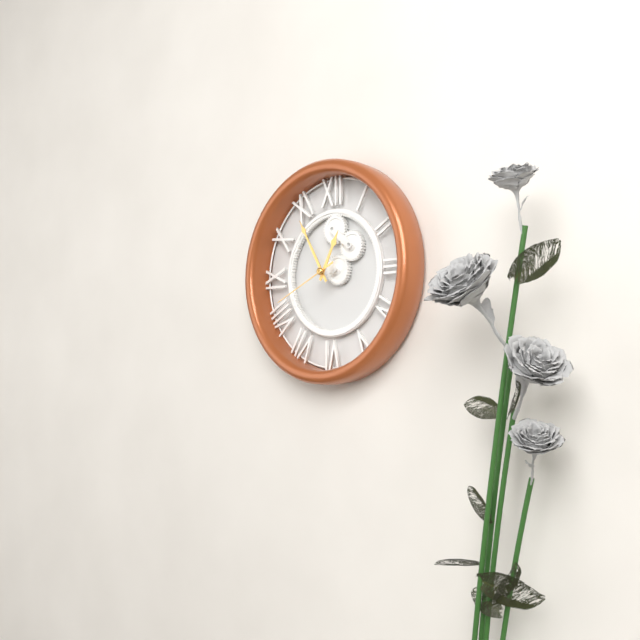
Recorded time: 12:55:41
